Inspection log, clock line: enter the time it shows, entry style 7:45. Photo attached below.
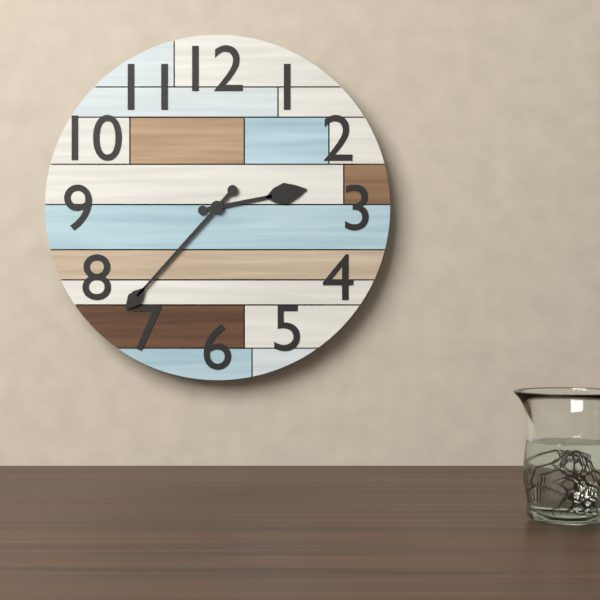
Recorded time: 2:37
